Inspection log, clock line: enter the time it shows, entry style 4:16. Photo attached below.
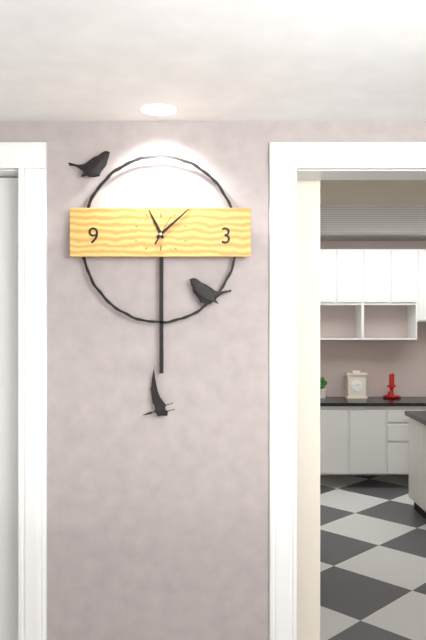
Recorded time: 11:08
